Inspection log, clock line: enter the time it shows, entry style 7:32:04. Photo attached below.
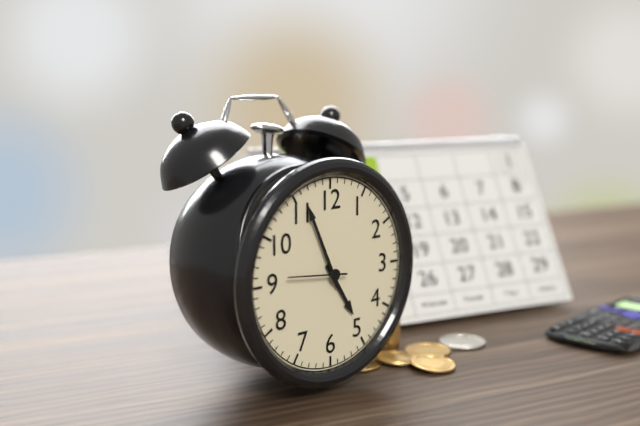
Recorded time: 4:56:46
